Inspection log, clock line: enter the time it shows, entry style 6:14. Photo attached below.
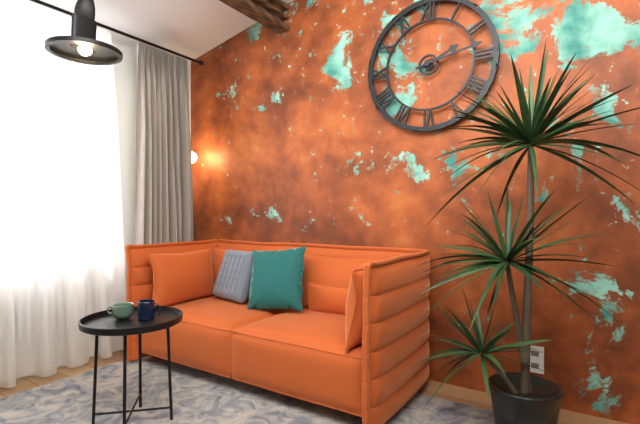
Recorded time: 2:13
